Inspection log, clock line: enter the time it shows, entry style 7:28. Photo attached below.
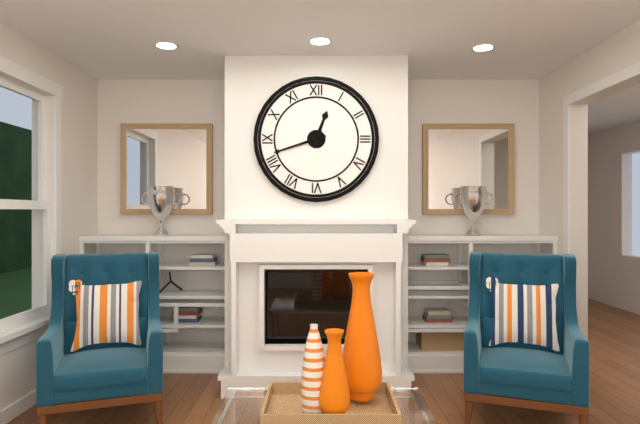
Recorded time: 12:42
